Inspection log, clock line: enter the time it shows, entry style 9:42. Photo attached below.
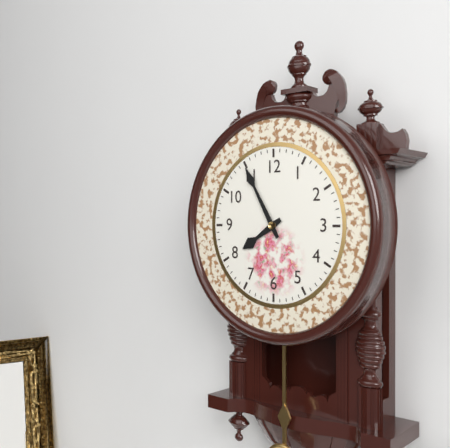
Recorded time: 7:55
